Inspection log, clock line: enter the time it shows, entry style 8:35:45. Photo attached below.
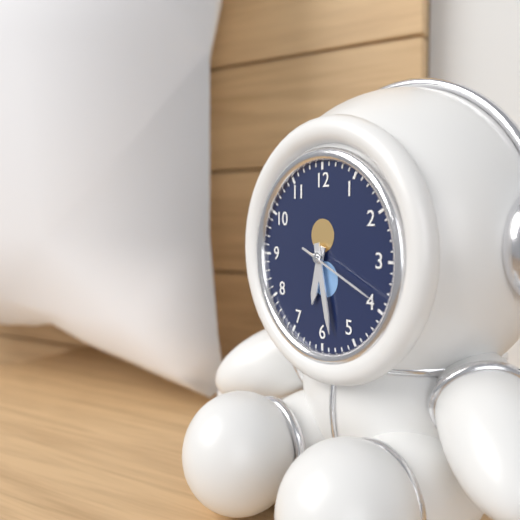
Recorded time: 6:28:19
